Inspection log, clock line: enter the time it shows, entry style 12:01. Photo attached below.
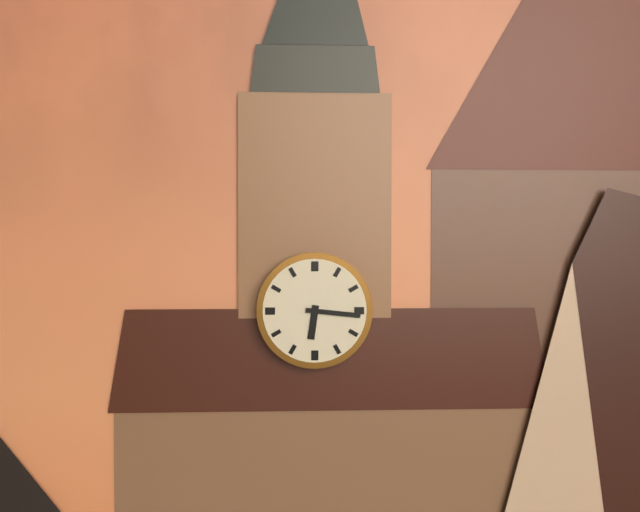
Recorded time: 6:16
